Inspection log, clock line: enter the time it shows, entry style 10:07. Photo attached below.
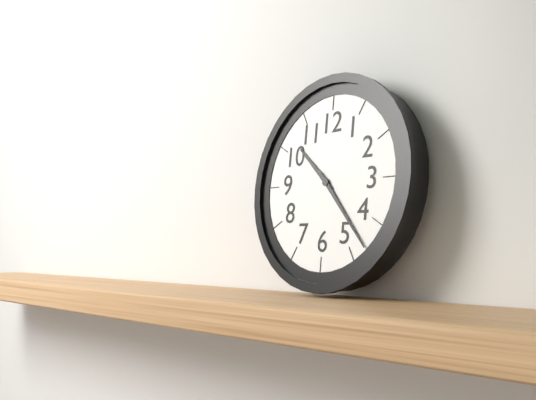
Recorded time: 10:23
